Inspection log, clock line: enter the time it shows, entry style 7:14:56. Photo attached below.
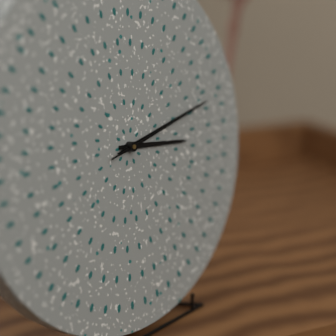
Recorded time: 3:13:13
